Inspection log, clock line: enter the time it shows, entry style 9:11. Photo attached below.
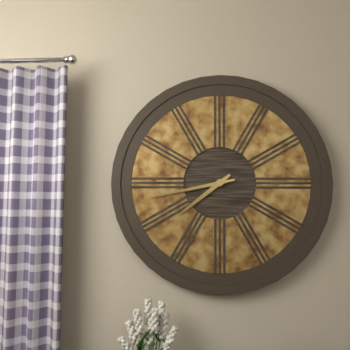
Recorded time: 7:43
